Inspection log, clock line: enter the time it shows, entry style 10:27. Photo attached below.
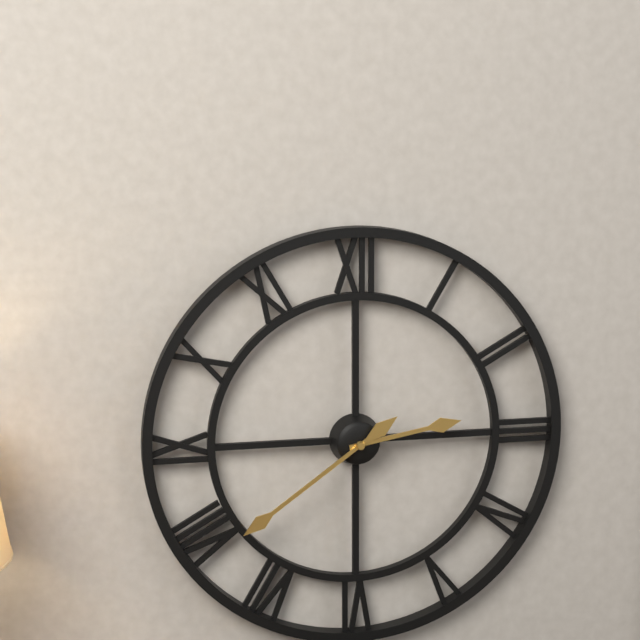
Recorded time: 2:39
